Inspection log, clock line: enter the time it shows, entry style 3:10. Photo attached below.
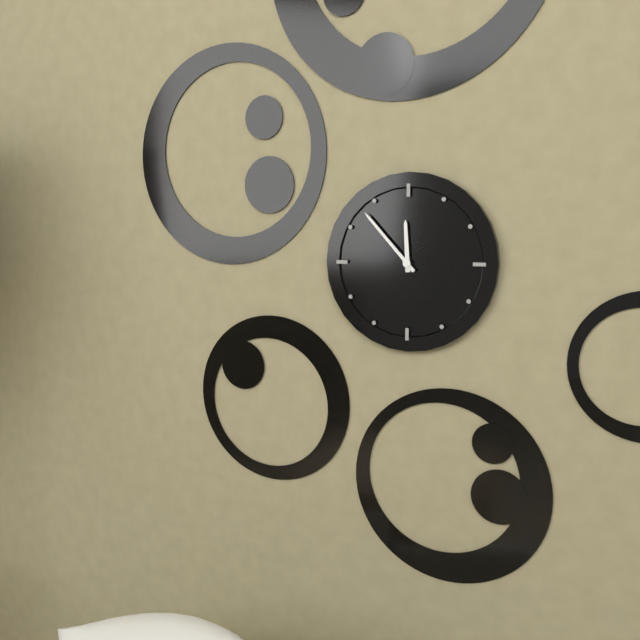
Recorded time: 11:53
